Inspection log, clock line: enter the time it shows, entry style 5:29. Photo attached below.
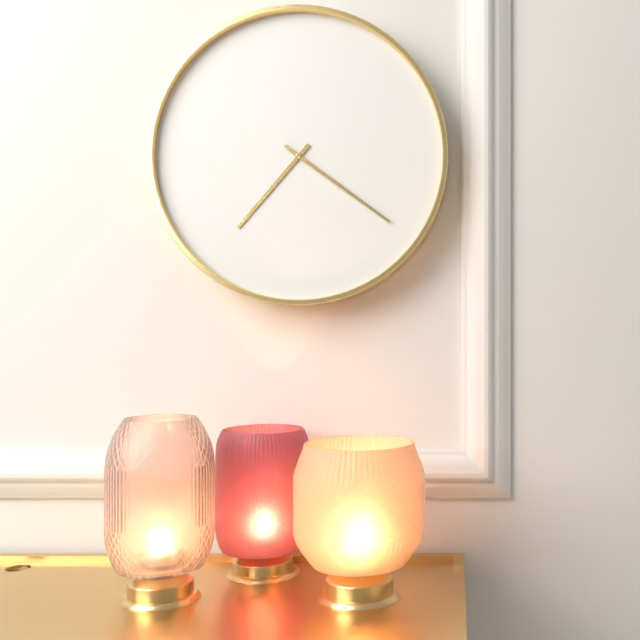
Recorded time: 7:21
